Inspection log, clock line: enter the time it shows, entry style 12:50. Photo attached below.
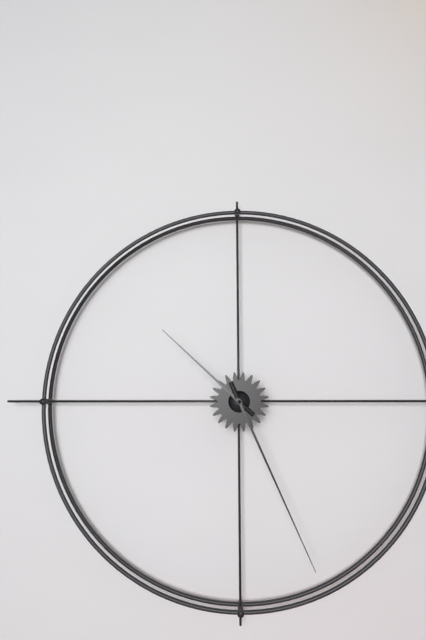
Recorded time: 10:26
